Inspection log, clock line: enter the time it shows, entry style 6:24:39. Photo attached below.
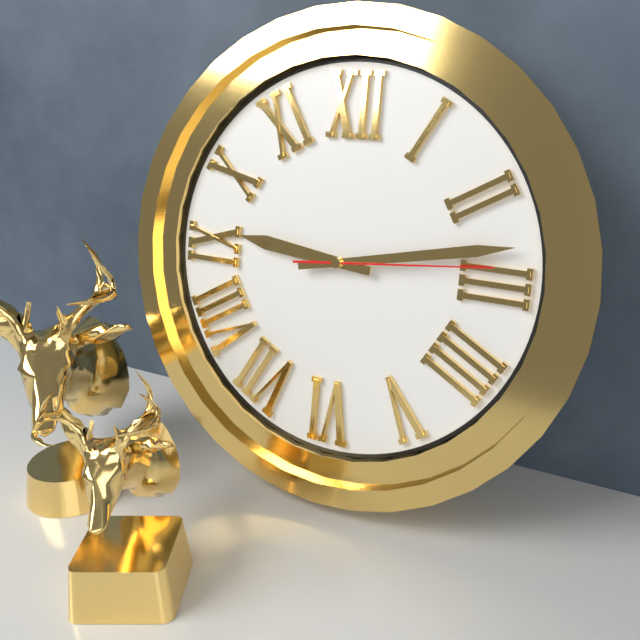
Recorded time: 9:13:14
